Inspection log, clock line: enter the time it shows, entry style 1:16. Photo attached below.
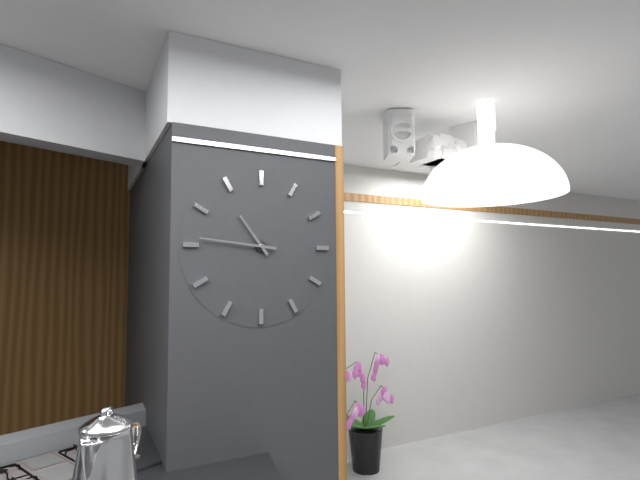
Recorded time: 10:46
